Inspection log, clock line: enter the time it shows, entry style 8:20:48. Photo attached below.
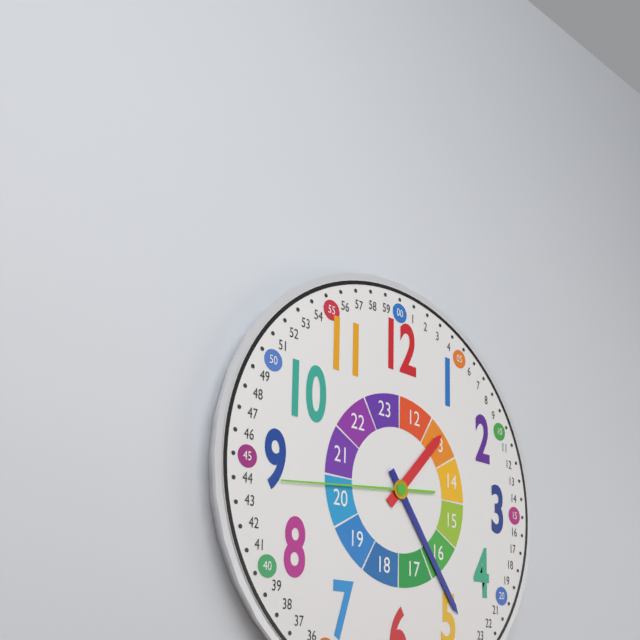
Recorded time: 1:24:44
